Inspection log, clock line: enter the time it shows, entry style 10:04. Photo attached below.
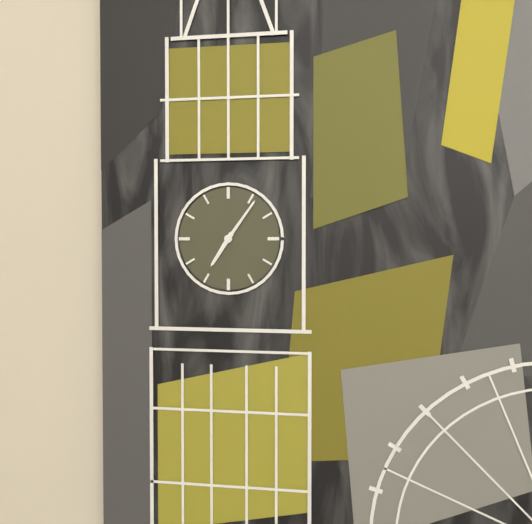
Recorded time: 7:06
